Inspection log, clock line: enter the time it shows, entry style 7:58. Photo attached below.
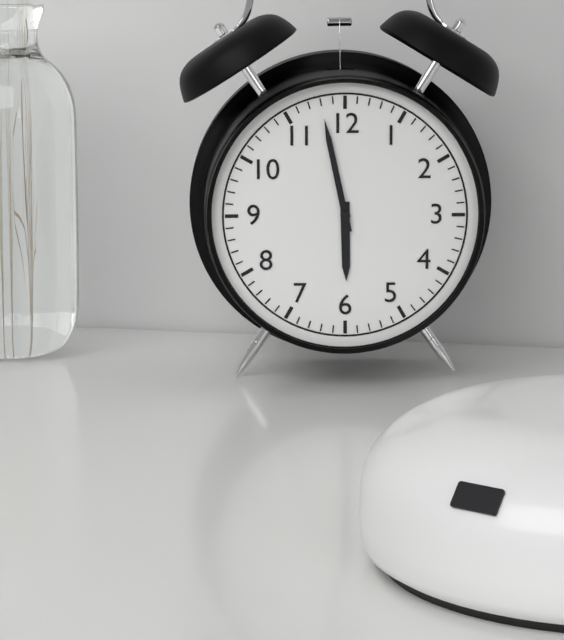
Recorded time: 5:58
